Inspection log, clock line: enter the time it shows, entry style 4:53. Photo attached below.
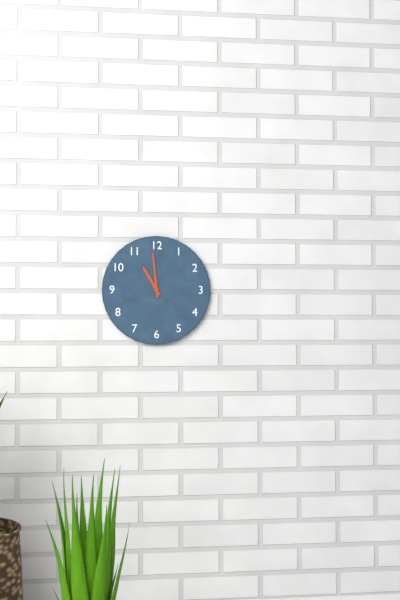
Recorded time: 10:59
